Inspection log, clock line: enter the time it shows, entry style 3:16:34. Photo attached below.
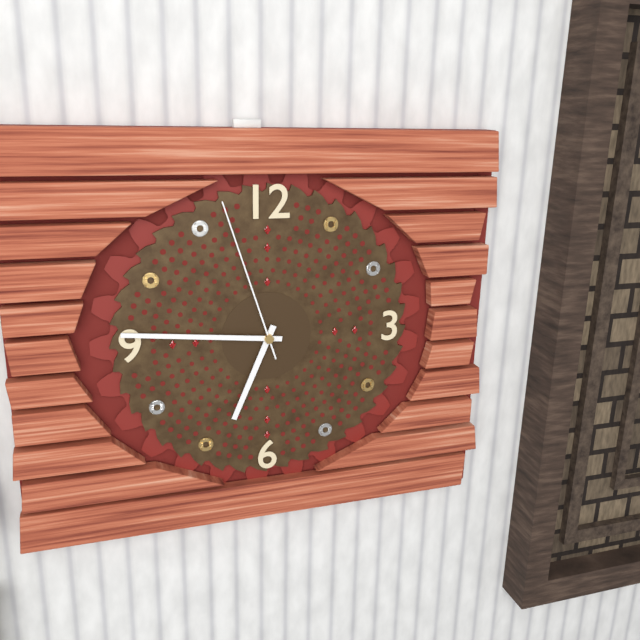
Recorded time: 6:46:57
